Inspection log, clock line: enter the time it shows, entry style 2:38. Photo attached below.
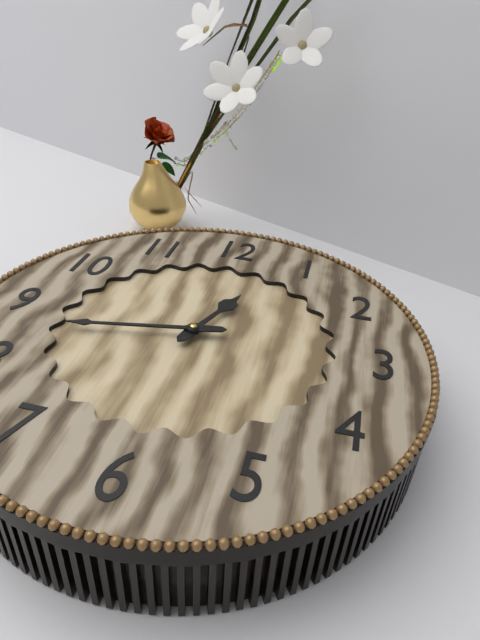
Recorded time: 12:43
